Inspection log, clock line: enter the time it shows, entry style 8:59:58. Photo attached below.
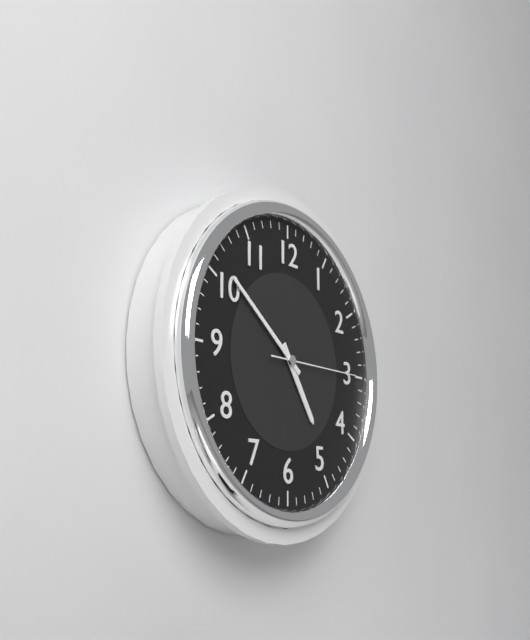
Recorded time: 4:51:15
